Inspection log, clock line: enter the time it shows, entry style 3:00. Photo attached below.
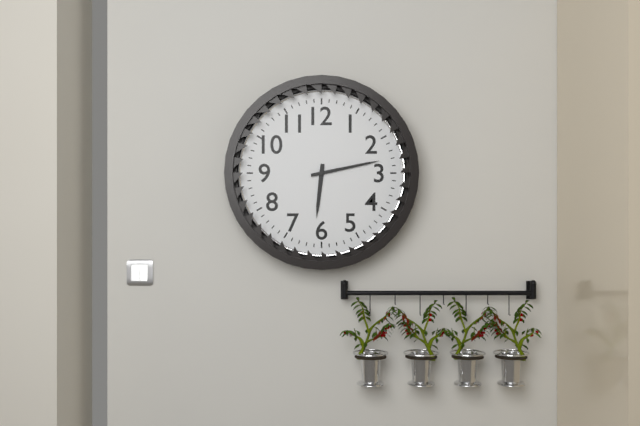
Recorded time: 6:13
